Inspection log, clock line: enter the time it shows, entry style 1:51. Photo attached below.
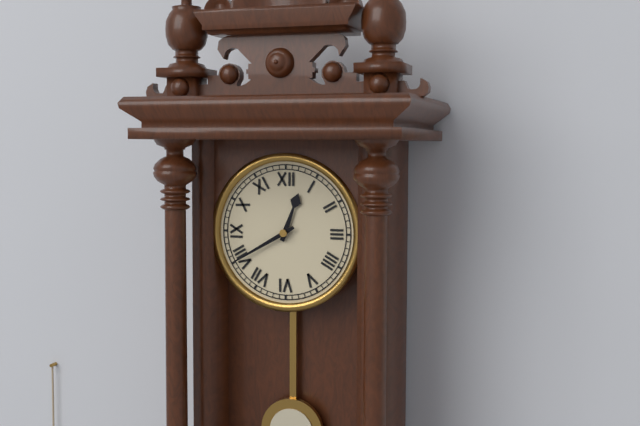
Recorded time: 12:40
